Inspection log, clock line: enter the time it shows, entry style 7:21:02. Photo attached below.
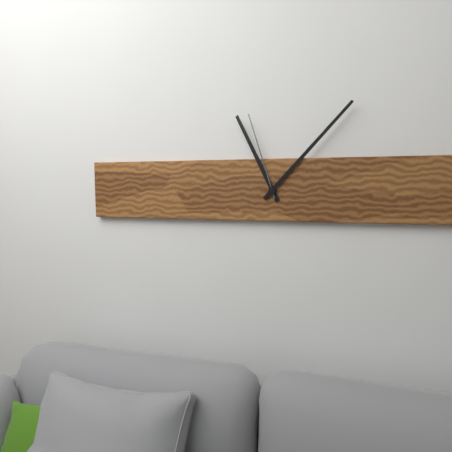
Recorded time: 11:07:57
